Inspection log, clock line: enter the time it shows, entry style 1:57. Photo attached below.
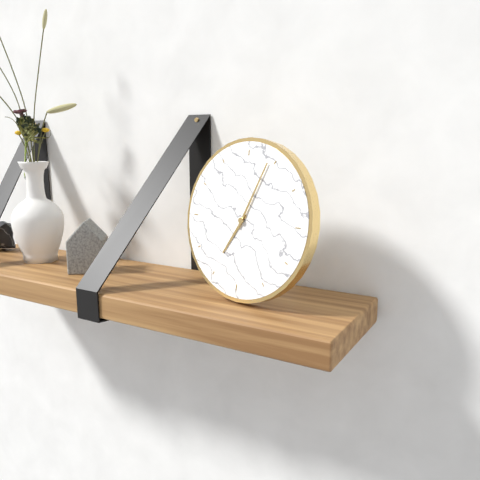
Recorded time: 7:04
